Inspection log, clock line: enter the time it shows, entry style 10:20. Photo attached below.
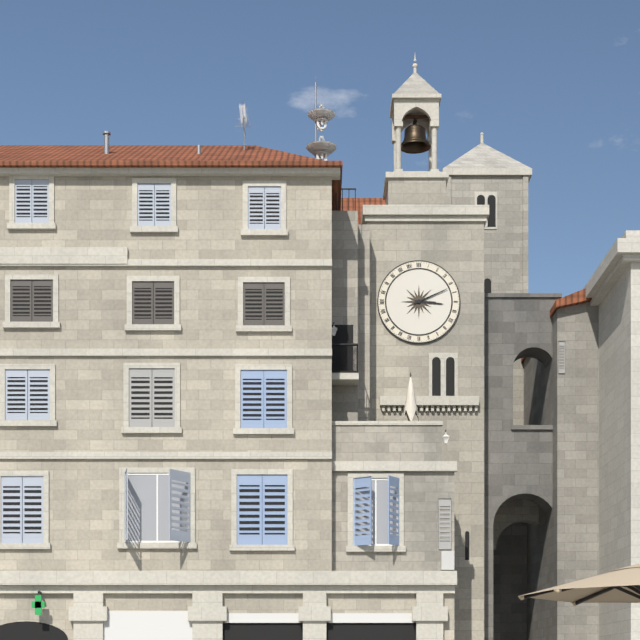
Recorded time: 3:11
